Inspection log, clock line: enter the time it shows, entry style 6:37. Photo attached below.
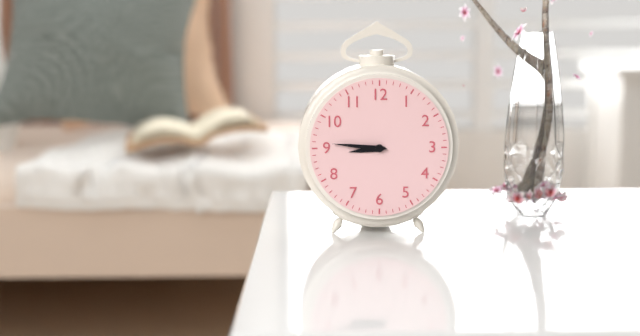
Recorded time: 8:46
